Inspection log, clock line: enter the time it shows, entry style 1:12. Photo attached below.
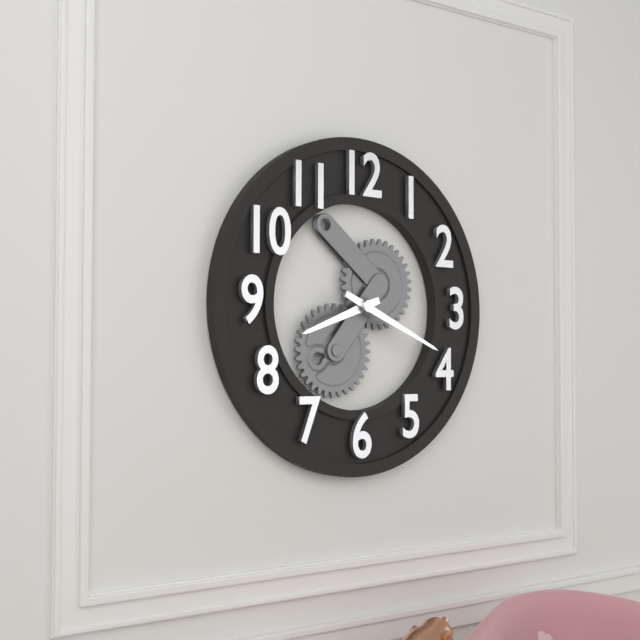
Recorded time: 8:19
